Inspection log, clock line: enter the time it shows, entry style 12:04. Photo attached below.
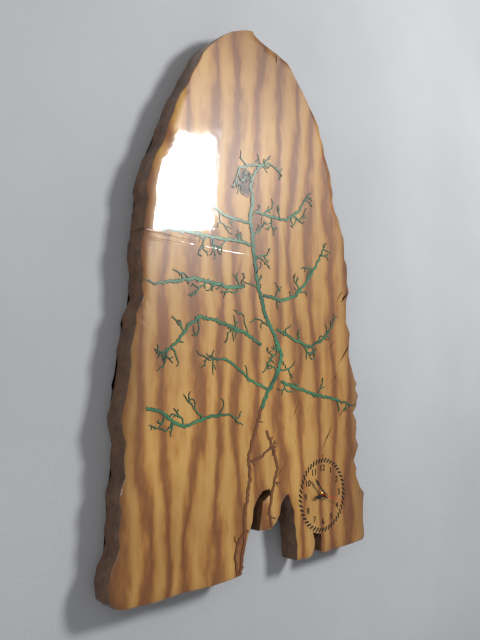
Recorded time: 8:53
